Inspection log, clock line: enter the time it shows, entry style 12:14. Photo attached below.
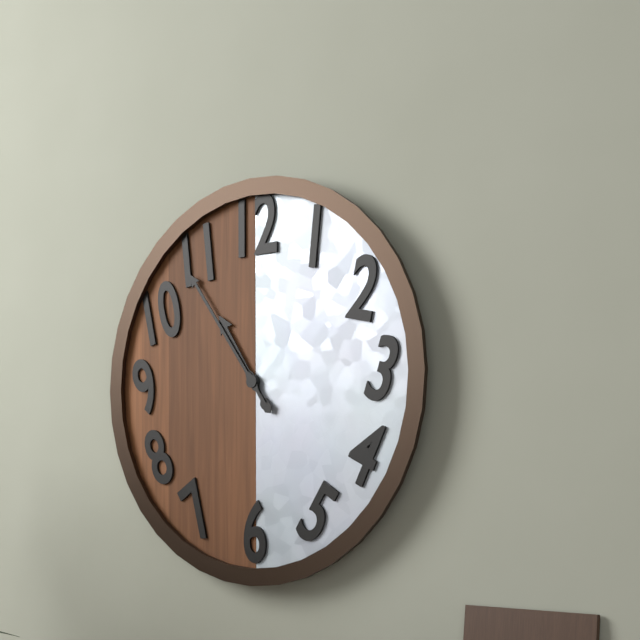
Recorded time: 10:54
